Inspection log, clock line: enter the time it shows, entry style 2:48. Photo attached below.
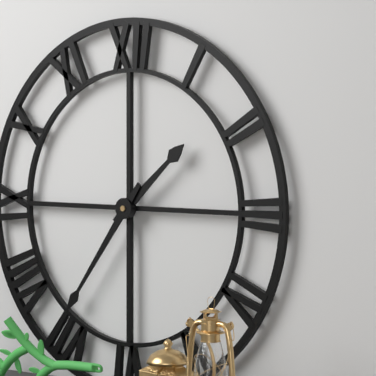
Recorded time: 1:36
